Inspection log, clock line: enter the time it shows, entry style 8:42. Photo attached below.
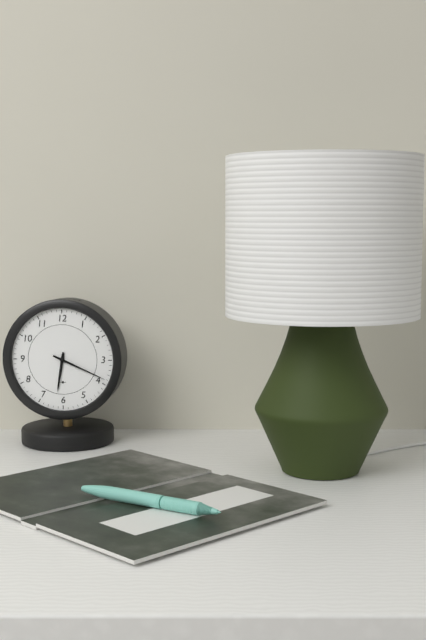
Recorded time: 6:19
